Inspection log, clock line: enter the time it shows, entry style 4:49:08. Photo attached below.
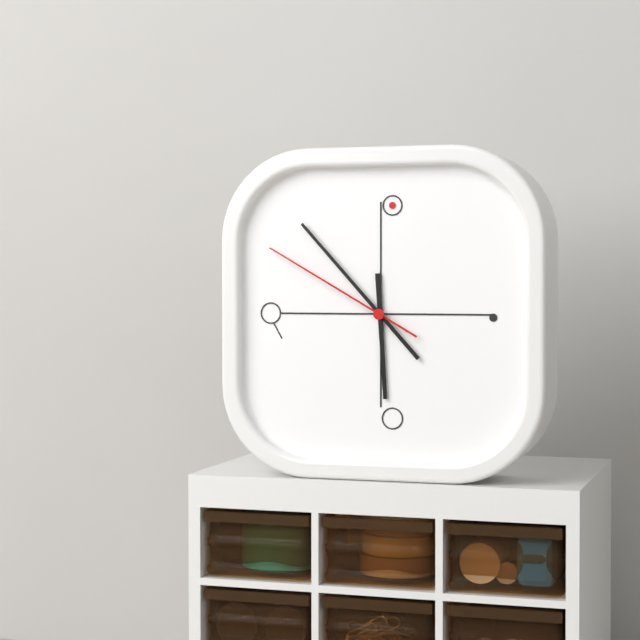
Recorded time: 5:53:50
